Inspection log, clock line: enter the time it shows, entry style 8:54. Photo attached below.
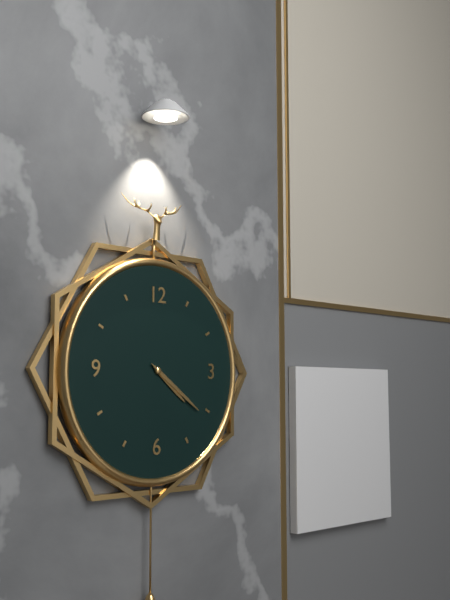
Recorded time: 4:21
